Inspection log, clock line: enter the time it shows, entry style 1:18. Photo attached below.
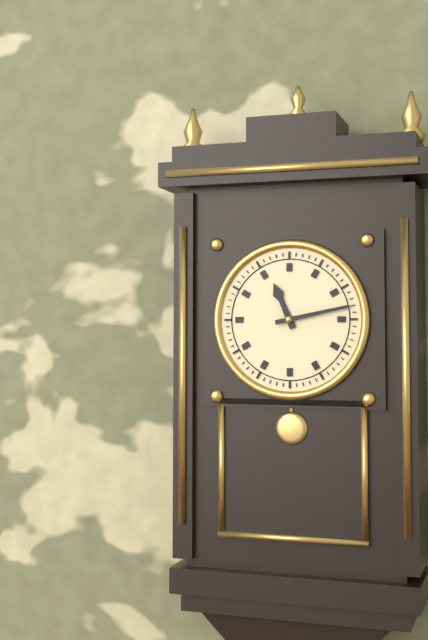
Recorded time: 11:13
